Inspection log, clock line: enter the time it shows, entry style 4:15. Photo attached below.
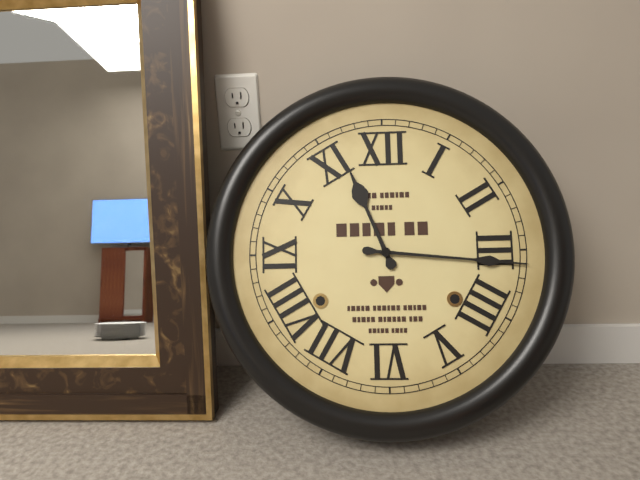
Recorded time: 11:16
